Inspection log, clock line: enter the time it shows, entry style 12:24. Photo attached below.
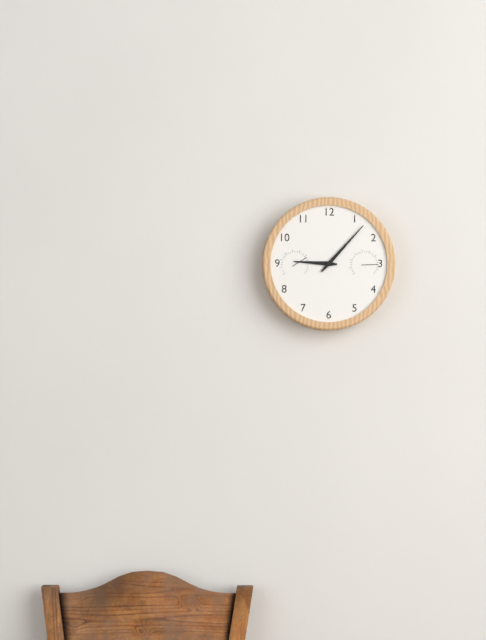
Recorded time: 9:07
